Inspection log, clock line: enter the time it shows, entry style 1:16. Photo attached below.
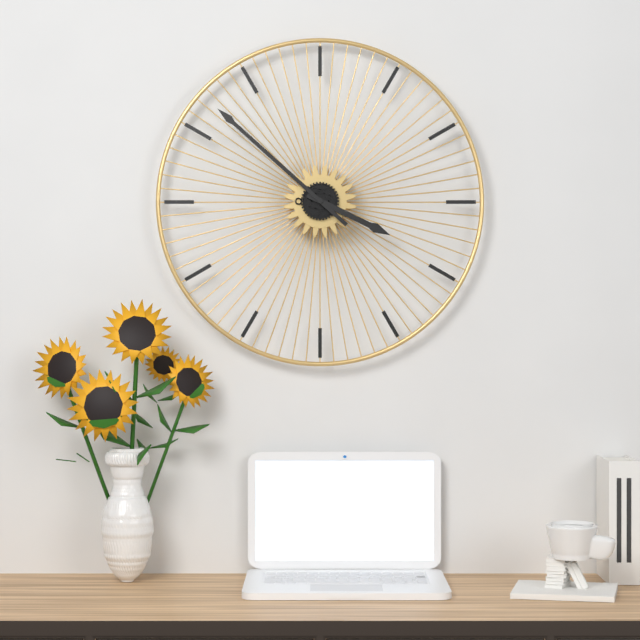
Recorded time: 3:52
